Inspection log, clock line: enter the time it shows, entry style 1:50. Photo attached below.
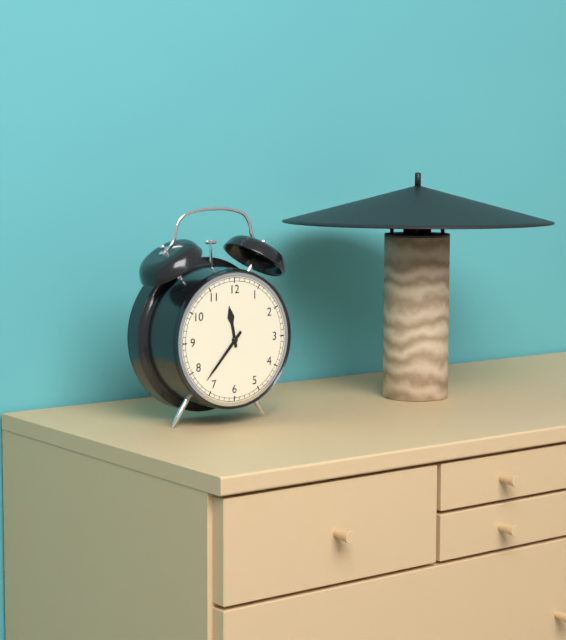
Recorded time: 11:37
